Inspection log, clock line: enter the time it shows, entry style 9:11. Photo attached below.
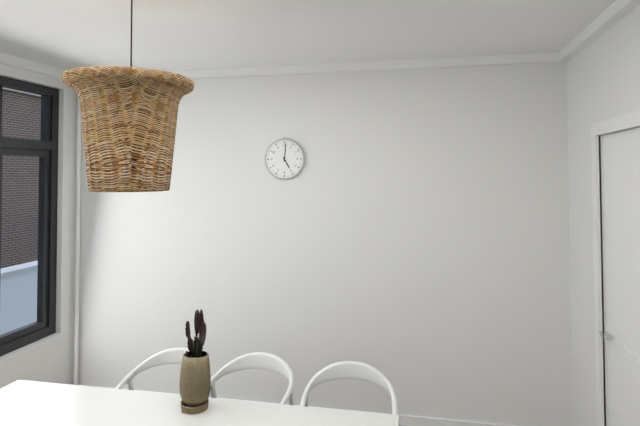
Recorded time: 5:01
